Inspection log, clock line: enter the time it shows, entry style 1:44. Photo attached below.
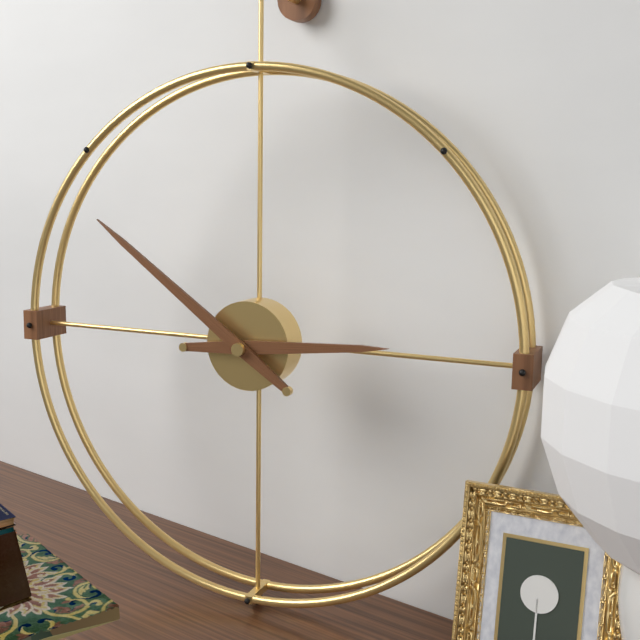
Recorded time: 2:51
